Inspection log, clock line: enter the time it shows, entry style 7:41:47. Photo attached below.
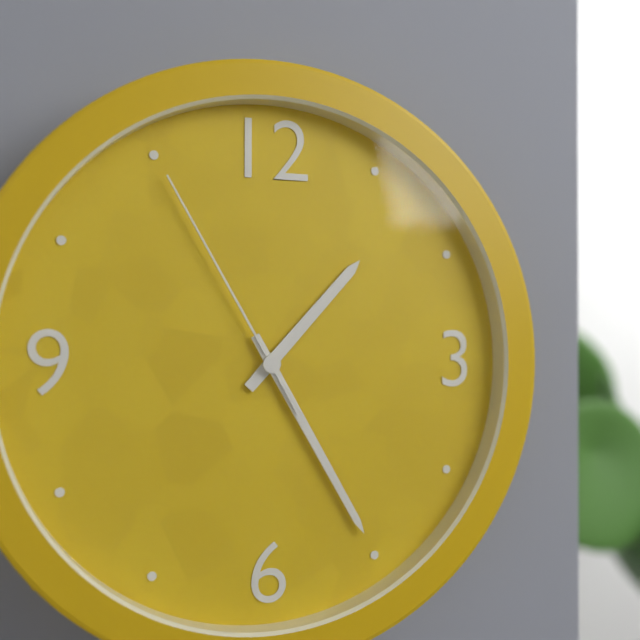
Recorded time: 1:25:55
